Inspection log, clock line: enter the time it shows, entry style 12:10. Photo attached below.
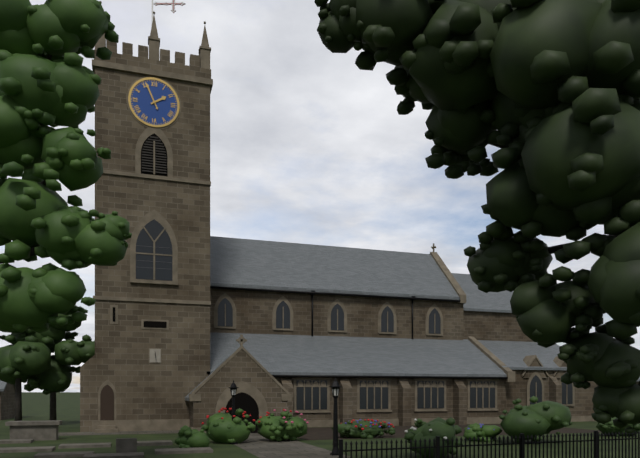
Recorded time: 1:56
